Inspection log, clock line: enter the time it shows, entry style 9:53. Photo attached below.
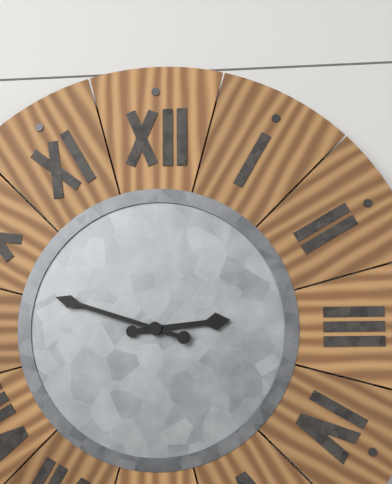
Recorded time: 2:48
